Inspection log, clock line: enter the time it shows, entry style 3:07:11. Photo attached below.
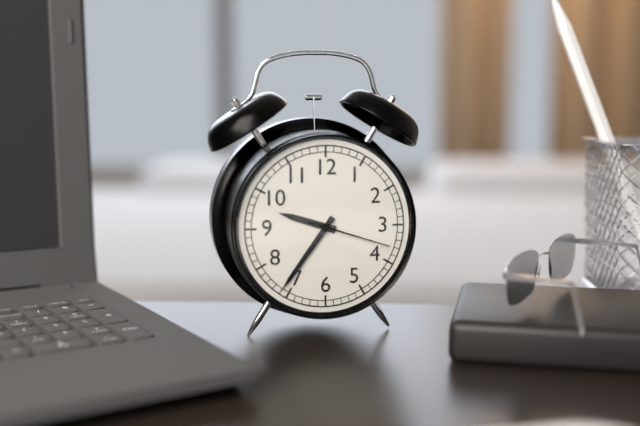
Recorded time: 9:36:18
